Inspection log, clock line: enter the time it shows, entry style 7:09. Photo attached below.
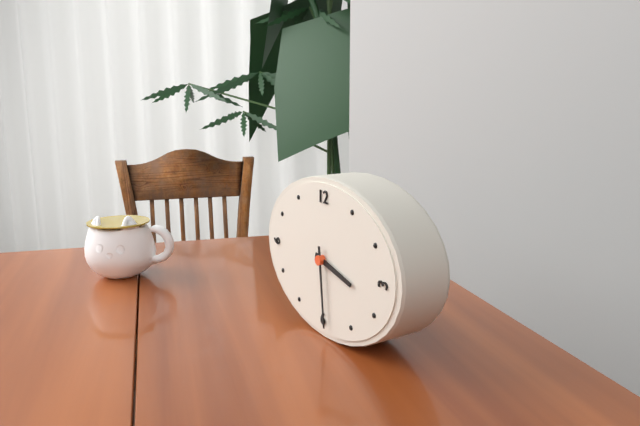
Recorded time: 3:29
